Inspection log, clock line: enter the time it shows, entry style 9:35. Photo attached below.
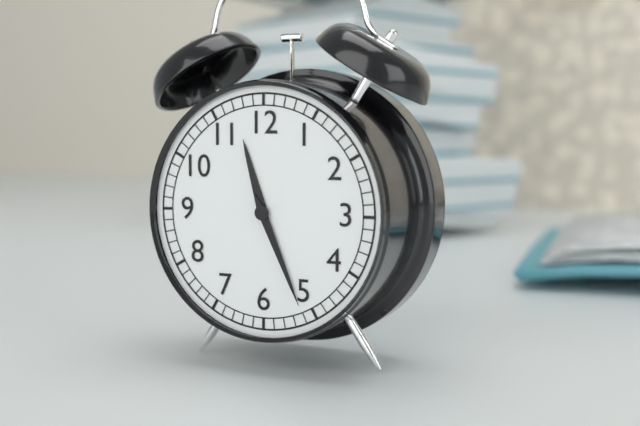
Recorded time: 11:26
